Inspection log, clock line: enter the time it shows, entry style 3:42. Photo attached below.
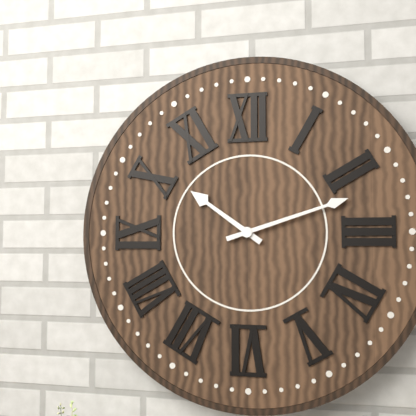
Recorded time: 10:12
